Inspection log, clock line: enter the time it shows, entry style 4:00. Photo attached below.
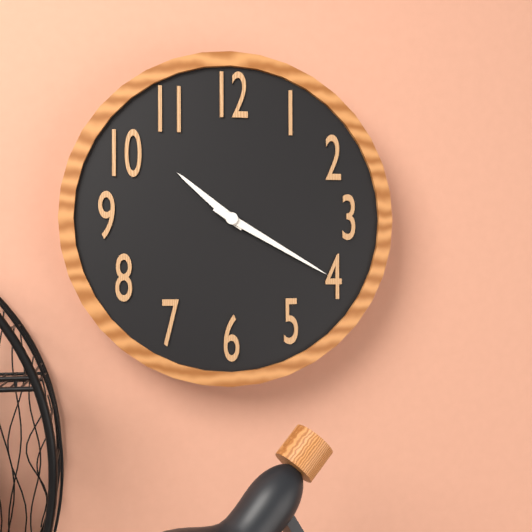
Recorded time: 10:20
